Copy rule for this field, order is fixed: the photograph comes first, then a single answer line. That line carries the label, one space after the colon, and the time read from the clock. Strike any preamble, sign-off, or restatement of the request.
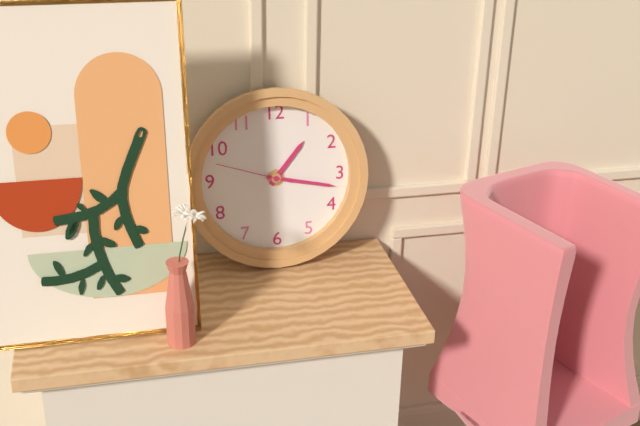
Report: 1:17:48
